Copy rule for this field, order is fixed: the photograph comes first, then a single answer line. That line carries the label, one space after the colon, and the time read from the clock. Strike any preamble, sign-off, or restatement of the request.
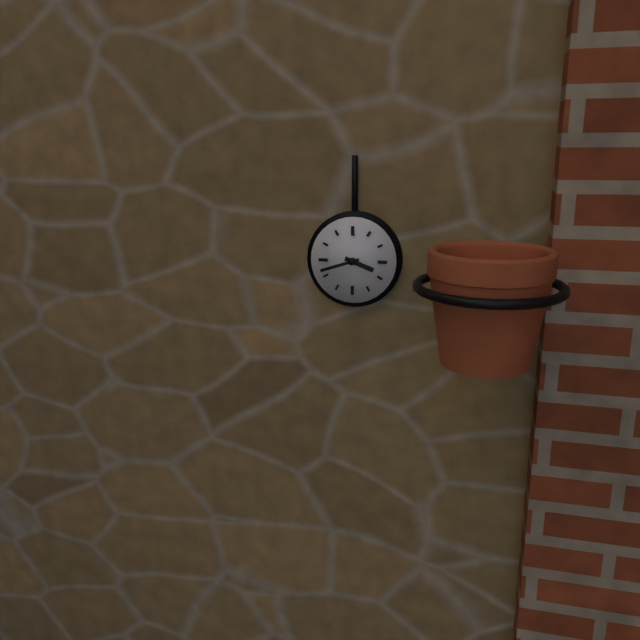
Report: 3:42
